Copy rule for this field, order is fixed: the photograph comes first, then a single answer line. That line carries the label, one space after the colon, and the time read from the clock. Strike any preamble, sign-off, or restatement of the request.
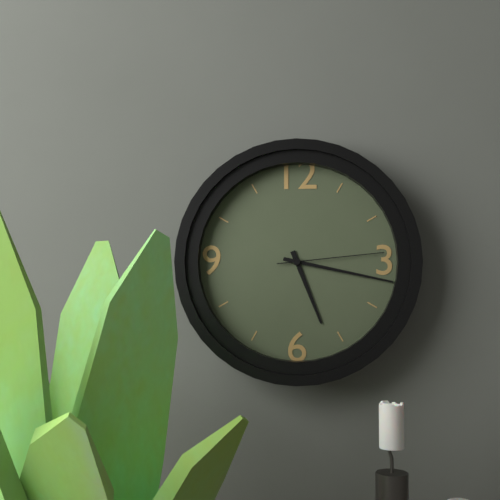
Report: 5:17:14
